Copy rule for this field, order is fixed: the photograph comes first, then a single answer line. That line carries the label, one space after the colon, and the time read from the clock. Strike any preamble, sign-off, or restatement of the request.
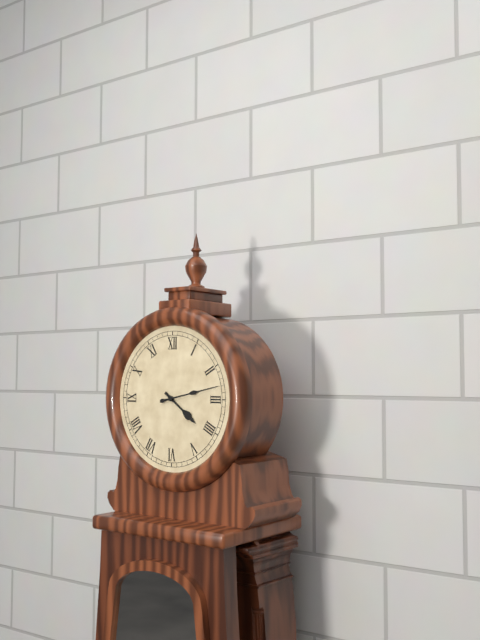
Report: 4:13
